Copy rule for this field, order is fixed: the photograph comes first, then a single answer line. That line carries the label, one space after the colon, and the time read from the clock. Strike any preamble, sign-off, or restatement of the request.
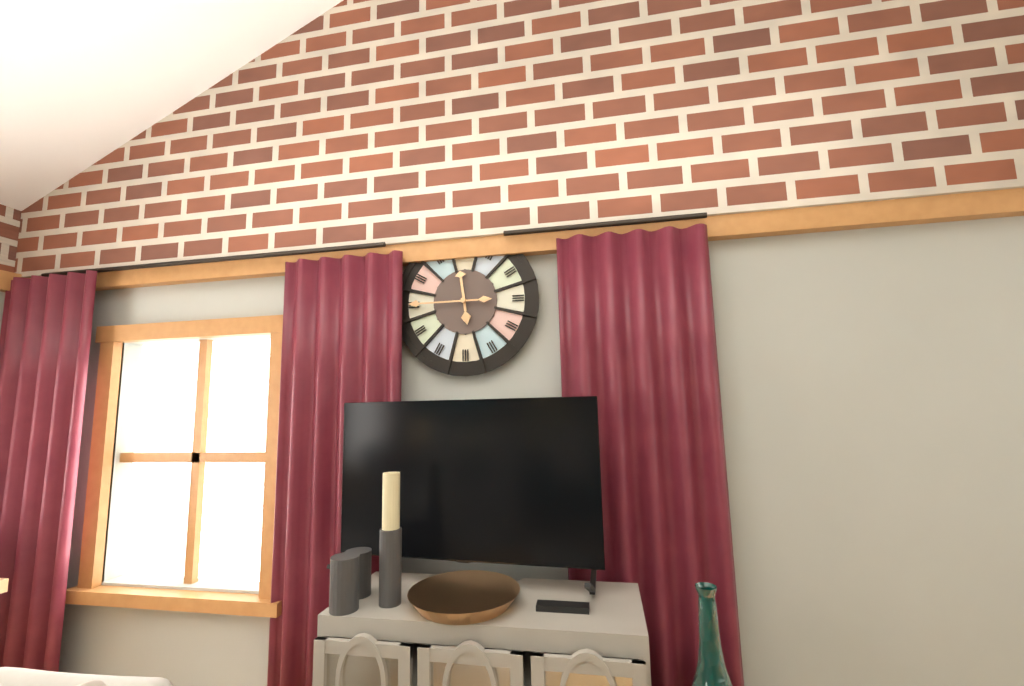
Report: 11:45
